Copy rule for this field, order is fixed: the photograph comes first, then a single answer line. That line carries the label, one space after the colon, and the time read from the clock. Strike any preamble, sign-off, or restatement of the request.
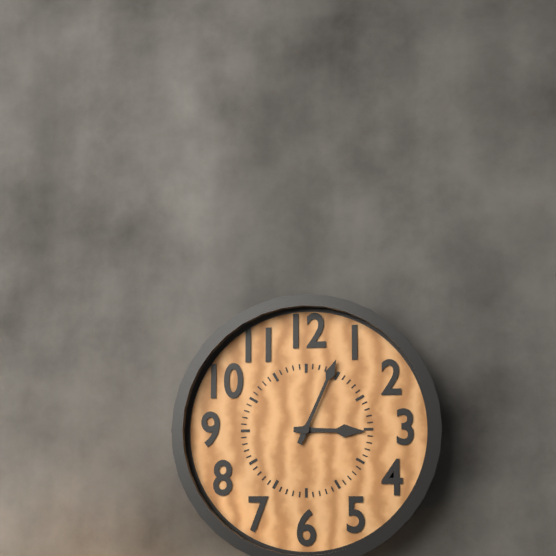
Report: 3:04
